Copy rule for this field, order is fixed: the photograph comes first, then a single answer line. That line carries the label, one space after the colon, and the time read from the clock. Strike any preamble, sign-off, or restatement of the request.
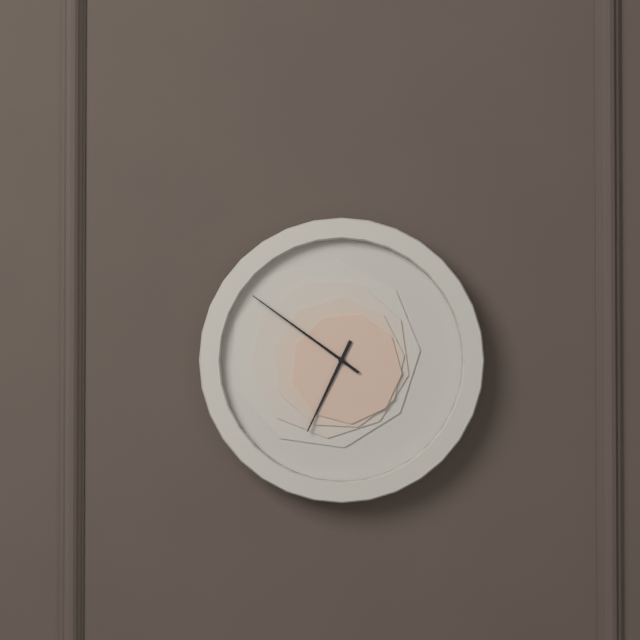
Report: 6:51
